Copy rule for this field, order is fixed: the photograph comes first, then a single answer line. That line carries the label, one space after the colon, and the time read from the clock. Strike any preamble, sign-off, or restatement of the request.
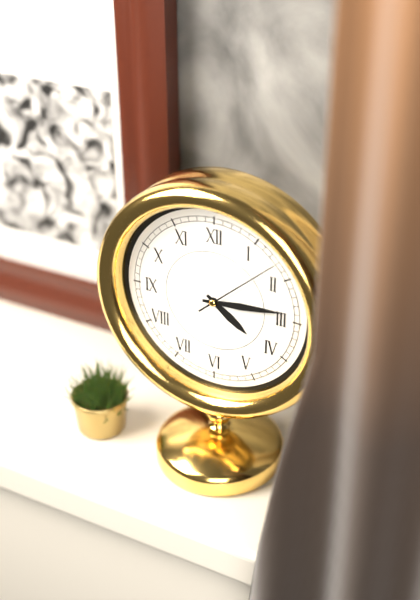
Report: 4:14:08
